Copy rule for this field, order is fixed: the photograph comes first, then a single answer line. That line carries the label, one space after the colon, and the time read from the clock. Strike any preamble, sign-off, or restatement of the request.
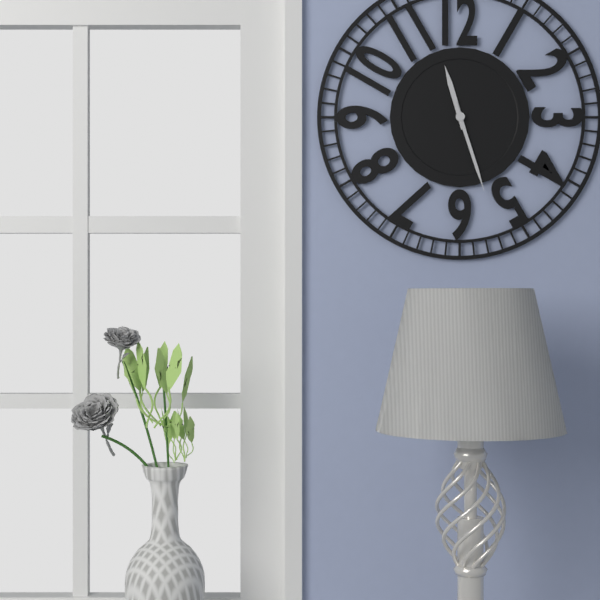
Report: 11:27
